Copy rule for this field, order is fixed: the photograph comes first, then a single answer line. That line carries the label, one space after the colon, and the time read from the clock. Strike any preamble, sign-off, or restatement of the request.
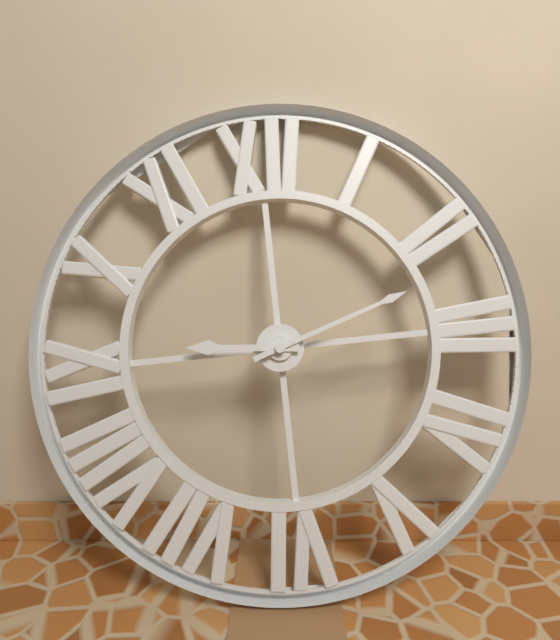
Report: 9:12
